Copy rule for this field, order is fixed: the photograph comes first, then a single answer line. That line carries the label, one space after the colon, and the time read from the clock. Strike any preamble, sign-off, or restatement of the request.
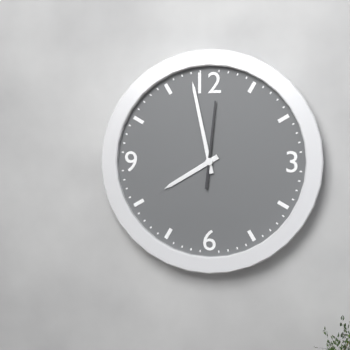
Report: 7:58:01
